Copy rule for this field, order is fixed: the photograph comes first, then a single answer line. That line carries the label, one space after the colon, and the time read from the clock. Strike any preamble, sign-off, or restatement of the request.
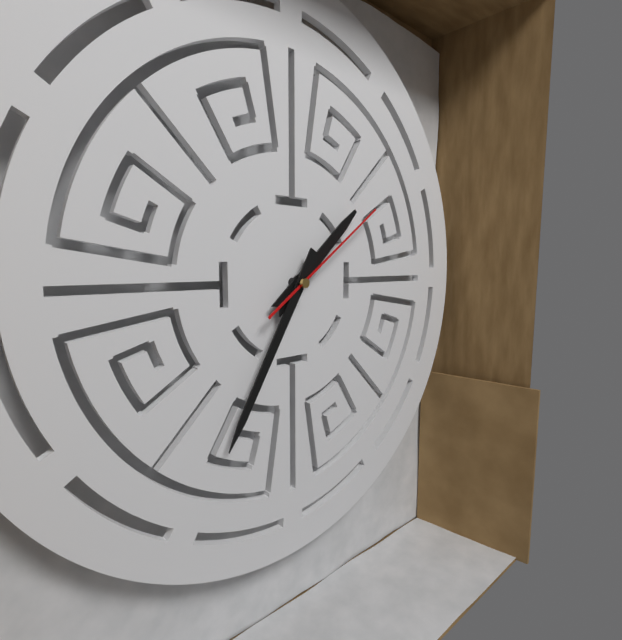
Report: 1:35:09
